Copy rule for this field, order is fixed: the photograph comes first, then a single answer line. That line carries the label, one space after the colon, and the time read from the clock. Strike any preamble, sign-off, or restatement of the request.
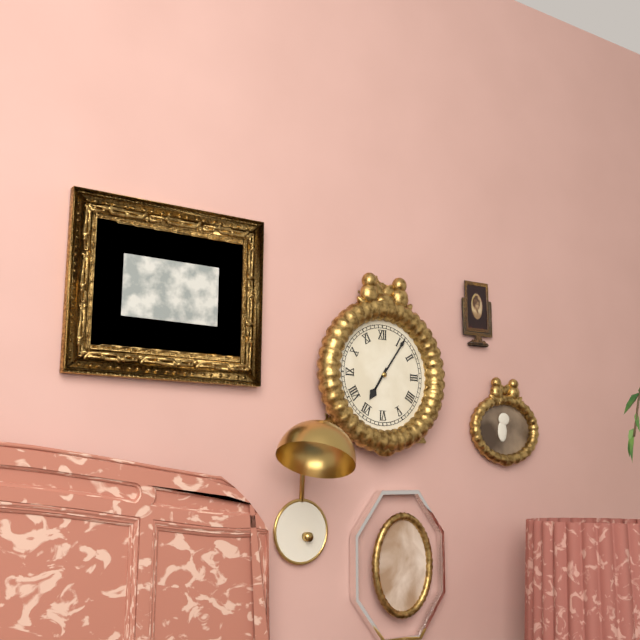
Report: 7:06
